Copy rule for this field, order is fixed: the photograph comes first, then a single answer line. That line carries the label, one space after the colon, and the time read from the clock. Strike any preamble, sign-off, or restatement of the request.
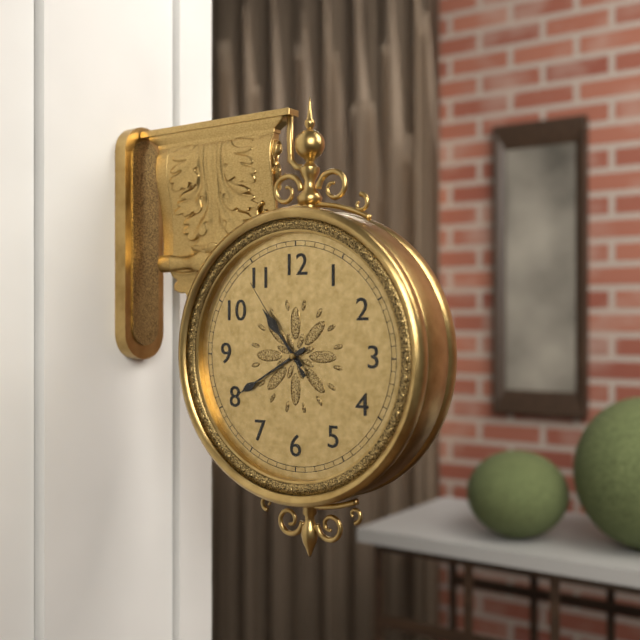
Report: 10:40:54
